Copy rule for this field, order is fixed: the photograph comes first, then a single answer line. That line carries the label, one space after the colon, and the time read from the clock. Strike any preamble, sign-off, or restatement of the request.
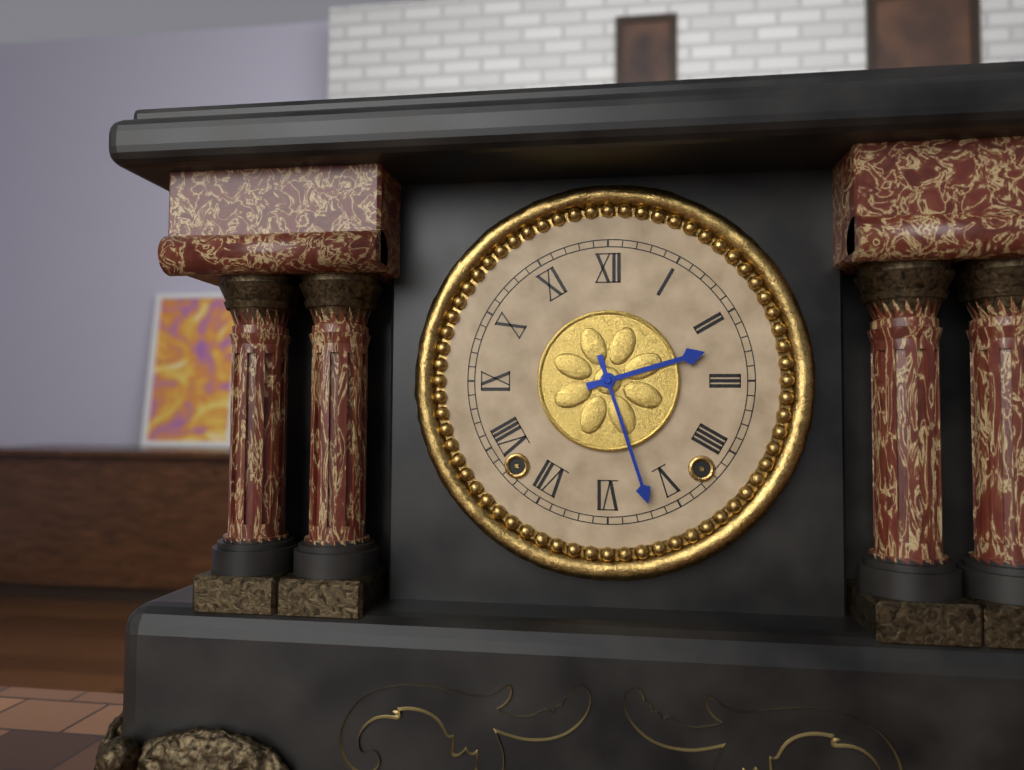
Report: 2:27
